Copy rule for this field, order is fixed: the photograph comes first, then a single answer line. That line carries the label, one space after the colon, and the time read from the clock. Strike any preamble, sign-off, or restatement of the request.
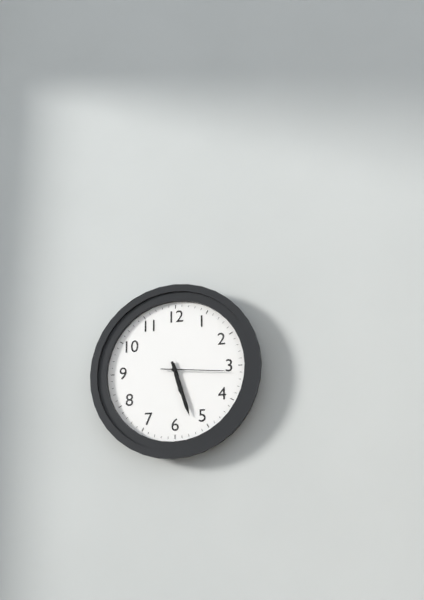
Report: 5:27:16
